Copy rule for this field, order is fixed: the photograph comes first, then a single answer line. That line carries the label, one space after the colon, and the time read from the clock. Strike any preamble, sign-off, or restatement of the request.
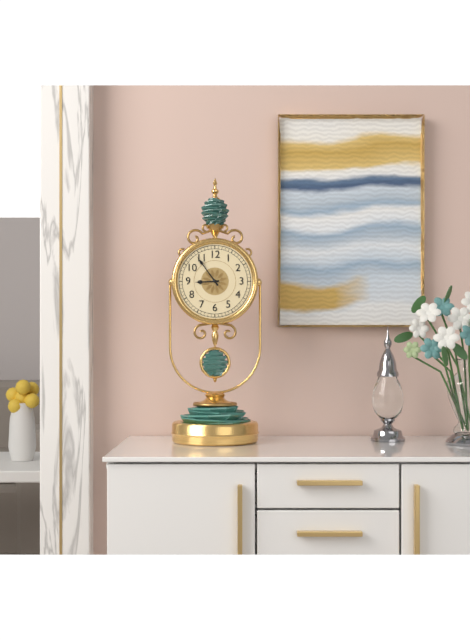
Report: 8:54
